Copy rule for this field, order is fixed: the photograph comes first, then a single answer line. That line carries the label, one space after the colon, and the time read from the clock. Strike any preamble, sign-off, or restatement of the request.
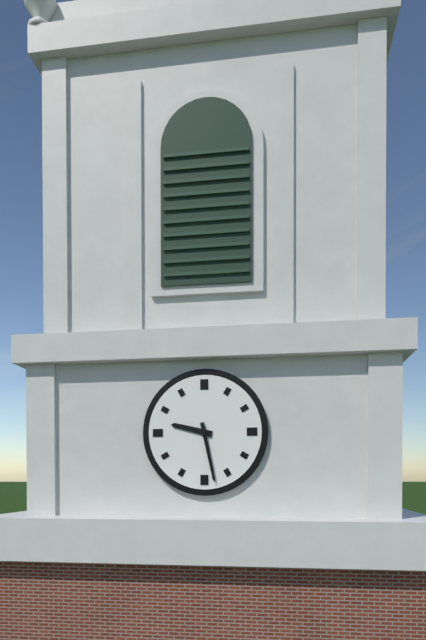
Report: 9:28
